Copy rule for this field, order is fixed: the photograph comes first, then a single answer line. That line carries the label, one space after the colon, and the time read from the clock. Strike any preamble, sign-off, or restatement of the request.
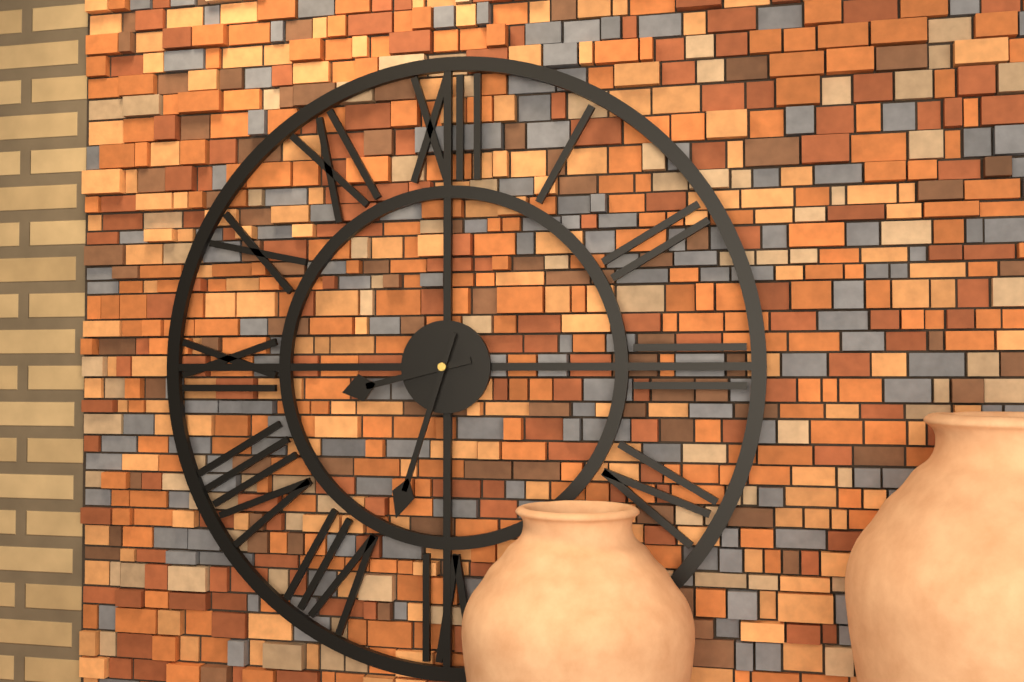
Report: 8:33
